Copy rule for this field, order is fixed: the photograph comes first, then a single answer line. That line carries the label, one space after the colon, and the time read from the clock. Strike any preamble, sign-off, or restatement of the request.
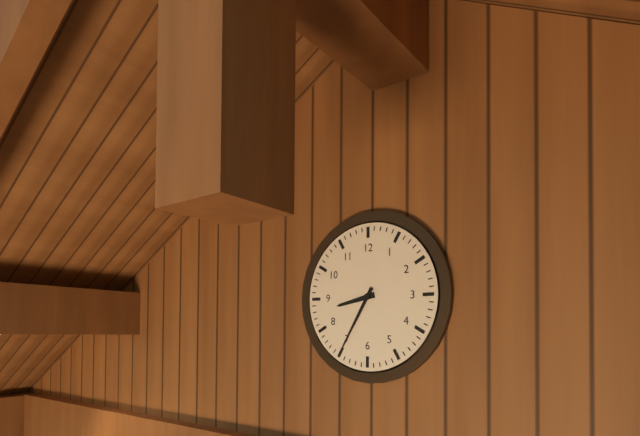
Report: 8:35
